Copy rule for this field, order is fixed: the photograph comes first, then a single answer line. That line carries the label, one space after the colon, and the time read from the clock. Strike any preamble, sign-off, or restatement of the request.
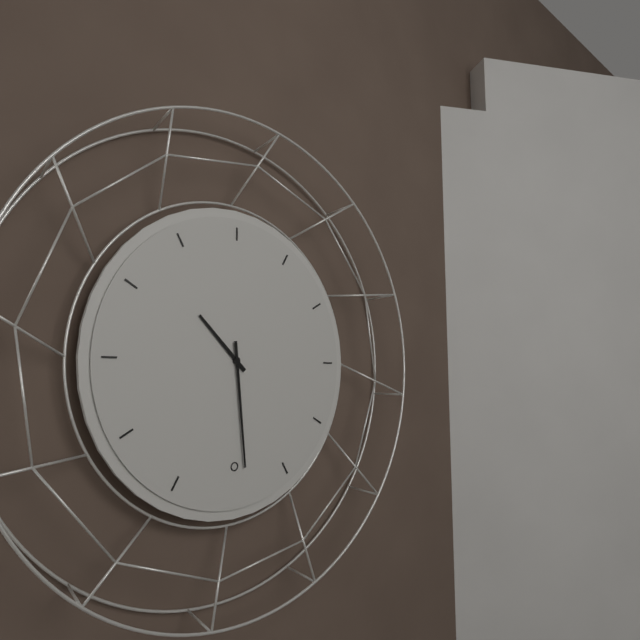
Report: 10:29
